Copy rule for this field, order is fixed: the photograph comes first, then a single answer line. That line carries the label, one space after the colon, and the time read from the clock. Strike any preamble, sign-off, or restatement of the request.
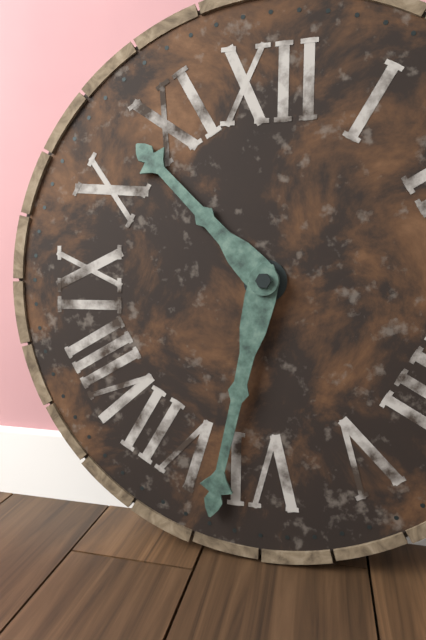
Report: 10:32
